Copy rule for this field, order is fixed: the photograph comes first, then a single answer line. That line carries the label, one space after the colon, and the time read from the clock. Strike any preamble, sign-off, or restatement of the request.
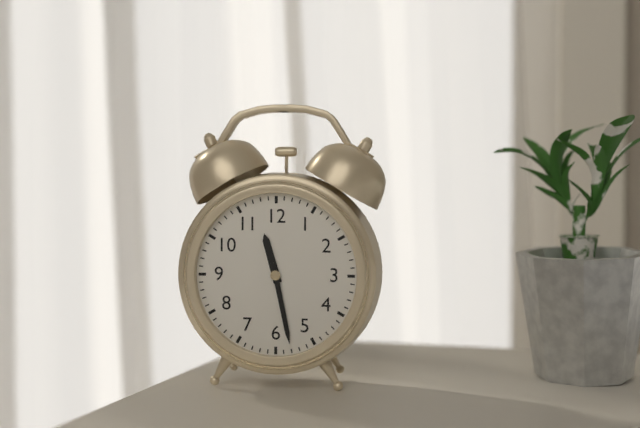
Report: 11:28
